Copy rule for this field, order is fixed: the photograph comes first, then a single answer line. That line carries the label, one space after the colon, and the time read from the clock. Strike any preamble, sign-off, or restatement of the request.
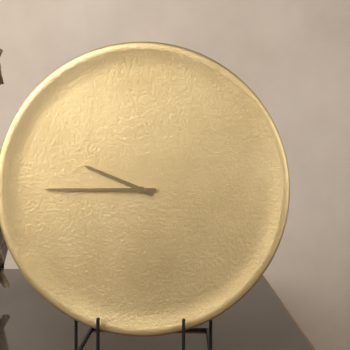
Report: 9:45
